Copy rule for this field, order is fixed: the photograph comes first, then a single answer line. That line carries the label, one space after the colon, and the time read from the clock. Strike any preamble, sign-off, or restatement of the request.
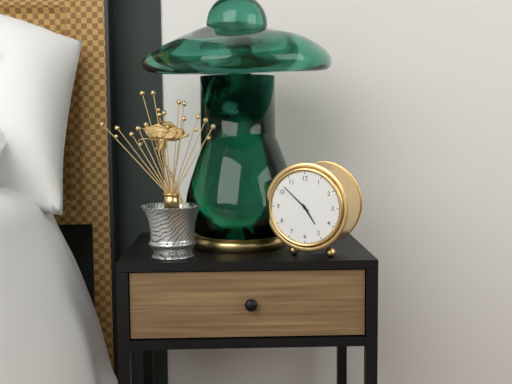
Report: 4:52
